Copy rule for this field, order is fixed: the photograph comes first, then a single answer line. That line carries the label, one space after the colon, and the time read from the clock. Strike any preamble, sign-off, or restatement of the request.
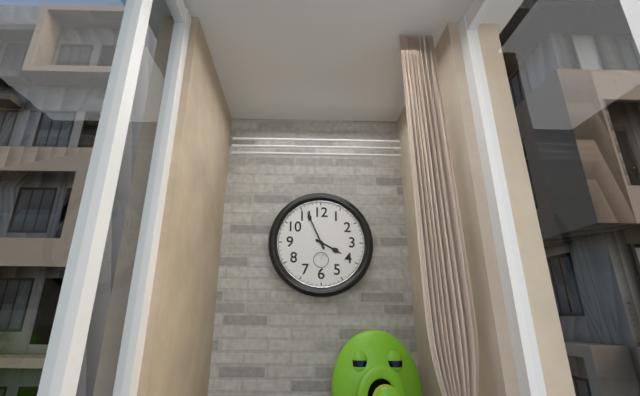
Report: 3:56
